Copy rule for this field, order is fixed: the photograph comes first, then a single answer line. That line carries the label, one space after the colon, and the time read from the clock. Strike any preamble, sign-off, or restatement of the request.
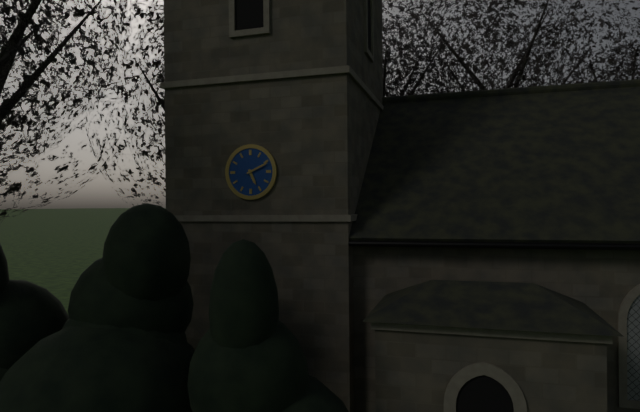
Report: 5:11
